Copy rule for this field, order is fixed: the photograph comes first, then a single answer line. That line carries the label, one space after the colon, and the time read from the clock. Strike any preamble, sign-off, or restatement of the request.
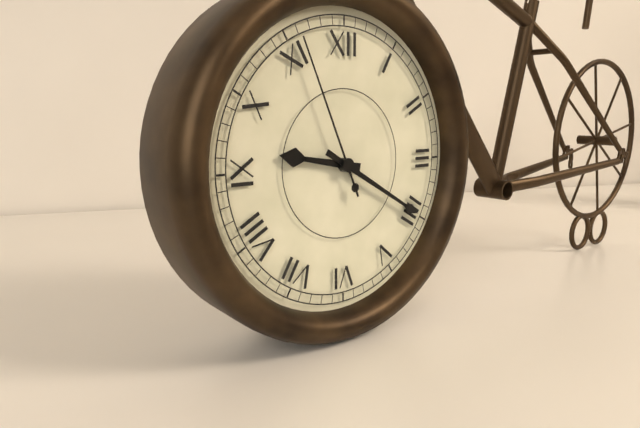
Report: 9:20:56
